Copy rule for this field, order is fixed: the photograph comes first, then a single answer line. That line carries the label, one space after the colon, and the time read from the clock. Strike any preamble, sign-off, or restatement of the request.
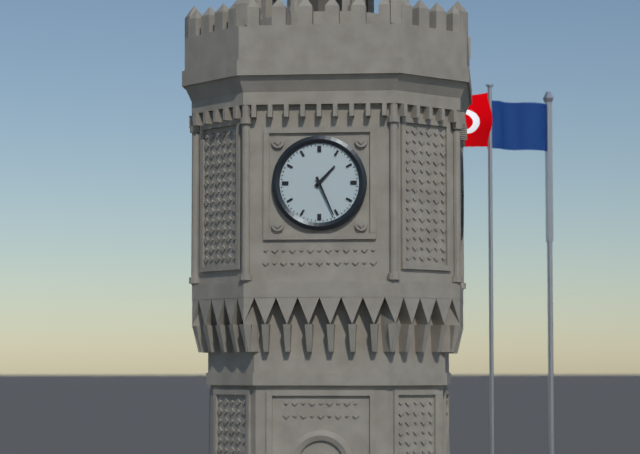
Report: 1:26
